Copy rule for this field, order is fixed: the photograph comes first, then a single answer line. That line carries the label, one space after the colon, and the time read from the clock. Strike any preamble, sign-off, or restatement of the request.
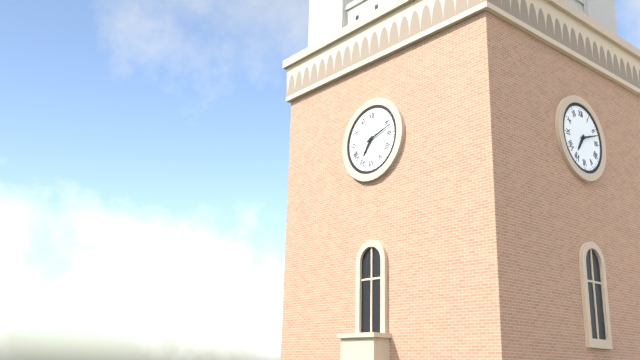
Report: 7:12
